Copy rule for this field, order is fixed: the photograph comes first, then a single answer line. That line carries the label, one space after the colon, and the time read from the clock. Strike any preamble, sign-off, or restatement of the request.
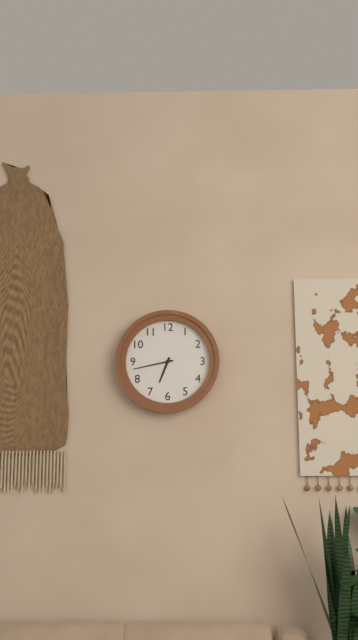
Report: 6:43
